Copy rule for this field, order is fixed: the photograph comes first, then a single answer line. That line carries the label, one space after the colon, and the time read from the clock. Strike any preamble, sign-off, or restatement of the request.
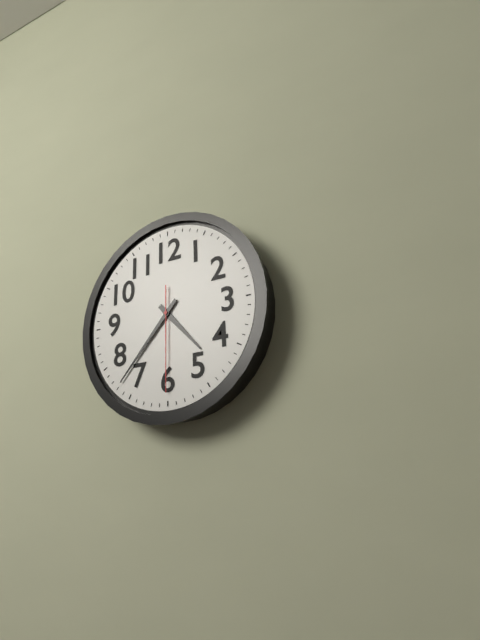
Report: 4:37:30
